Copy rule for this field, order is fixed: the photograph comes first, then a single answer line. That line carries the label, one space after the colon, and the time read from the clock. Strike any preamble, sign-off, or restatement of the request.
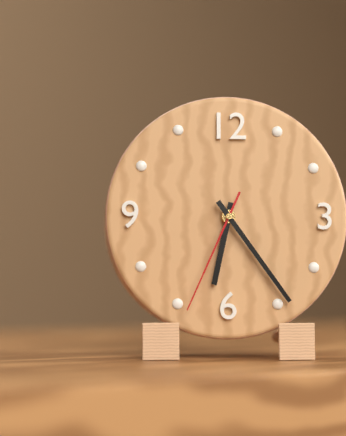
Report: 6:24:34
